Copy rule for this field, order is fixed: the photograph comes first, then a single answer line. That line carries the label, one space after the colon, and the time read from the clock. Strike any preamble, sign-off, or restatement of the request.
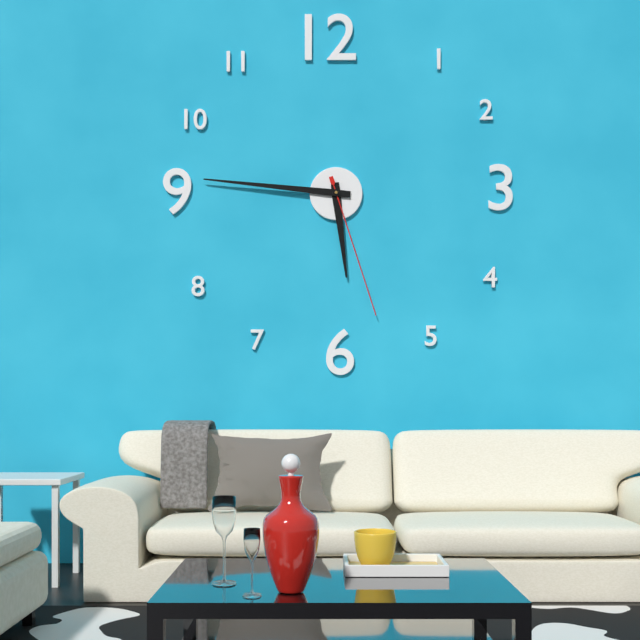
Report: 5:46:27
